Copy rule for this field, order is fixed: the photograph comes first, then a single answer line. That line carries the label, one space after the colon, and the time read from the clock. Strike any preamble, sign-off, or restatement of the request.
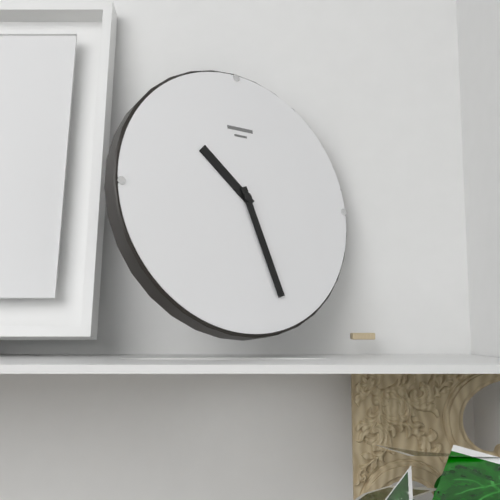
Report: 10:27
